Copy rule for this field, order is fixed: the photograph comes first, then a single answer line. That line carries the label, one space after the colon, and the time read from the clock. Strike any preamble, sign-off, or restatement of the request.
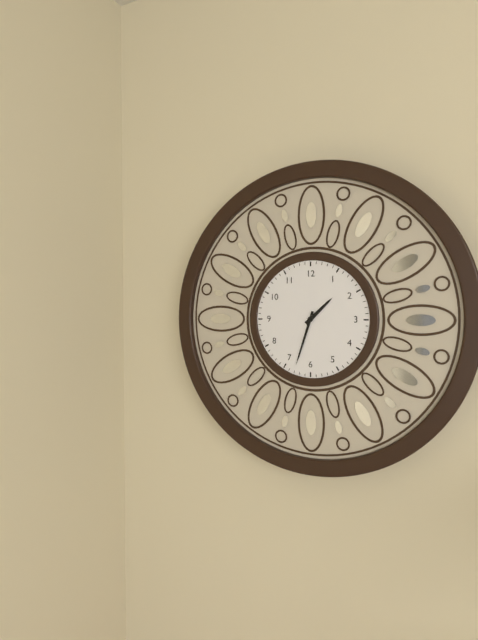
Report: 1:33
